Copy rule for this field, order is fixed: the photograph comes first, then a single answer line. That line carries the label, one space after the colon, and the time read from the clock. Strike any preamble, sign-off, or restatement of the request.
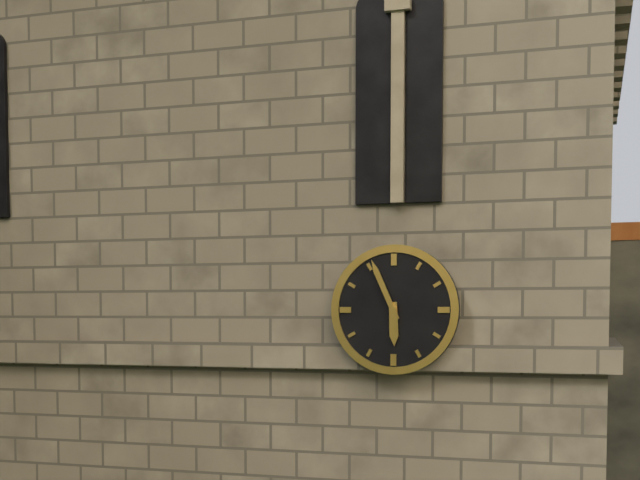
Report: 5:56
